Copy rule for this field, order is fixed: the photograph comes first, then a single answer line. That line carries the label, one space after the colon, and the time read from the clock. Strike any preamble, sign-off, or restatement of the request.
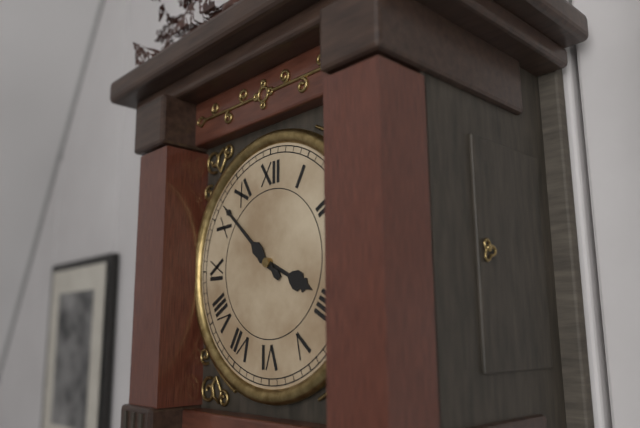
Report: 3:52
